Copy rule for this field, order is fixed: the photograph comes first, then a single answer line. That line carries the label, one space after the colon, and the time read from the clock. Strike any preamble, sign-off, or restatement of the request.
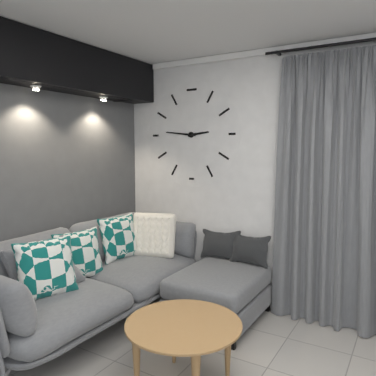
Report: 2:46
